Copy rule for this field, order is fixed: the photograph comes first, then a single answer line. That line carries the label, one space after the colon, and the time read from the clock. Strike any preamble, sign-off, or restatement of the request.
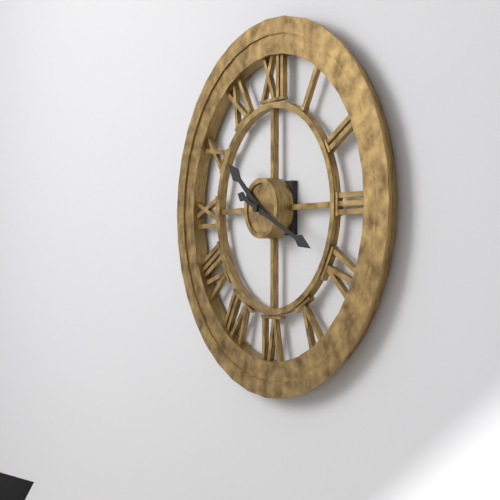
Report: 10:19
